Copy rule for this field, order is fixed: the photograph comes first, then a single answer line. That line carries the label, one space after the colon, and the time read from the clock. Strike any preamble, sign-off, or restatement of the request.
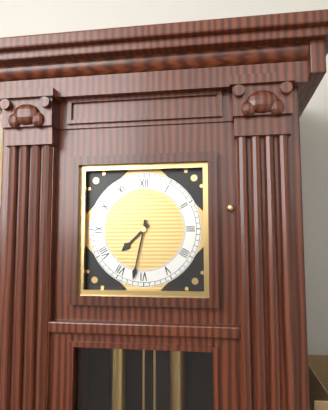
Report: 7:32
